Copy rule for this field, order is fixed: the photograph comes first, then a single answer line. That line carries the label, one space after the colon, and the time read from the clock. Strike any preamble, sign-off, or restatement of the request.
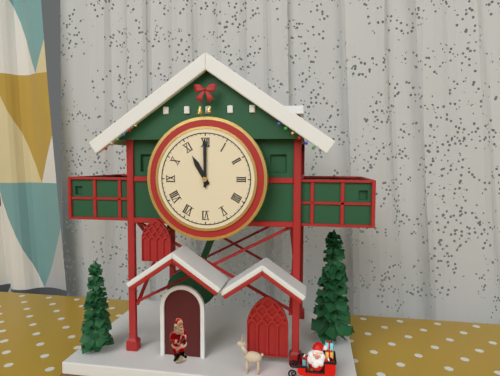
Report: 11:00
